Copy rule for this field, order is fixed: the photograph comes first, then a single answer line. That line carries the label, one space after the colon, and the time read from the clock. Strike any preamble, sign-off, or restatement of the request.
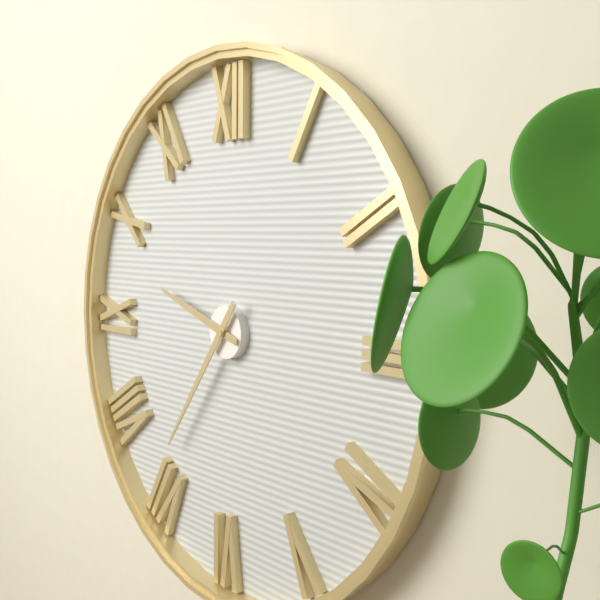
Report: 9:36
